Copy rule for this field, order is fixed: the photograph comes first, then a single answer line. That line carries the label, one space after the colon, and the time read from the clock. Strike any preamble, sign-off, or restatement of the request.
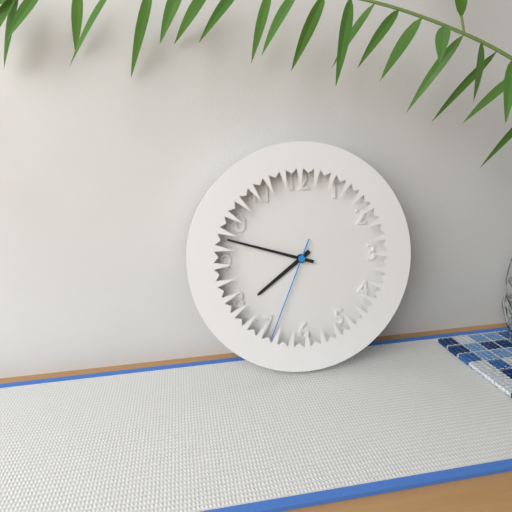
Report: 7:48:34
